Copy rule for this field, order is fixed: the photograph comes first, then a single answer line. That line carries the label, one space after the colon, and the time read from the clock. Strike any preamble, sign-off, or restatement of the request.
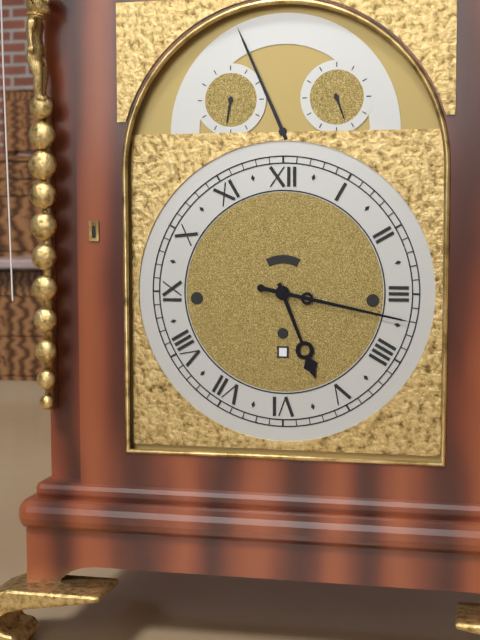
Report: 5:17
